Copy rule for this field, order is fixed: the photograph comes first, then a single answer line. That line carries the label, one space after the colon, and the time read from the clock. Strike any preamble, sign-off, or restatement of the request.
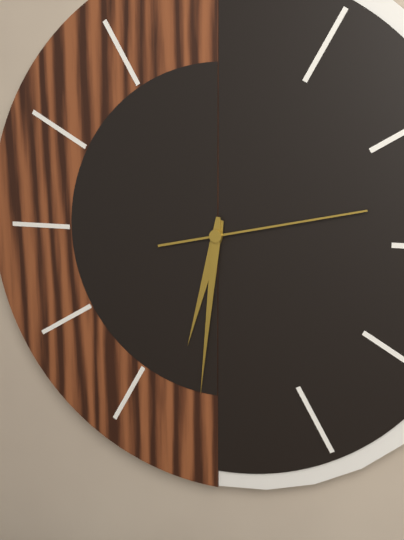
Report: 6:31:13
